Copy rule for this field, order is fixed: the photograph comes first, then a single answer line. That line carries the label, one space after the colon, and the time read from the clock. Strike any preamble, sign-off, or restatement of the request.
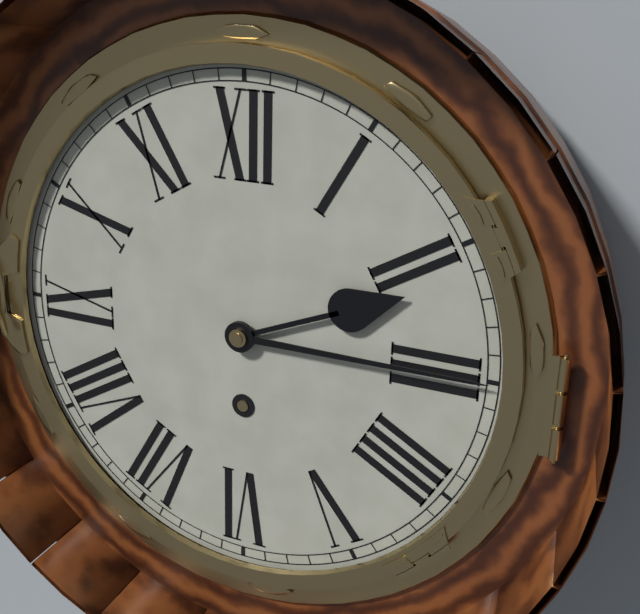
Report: 2:15
